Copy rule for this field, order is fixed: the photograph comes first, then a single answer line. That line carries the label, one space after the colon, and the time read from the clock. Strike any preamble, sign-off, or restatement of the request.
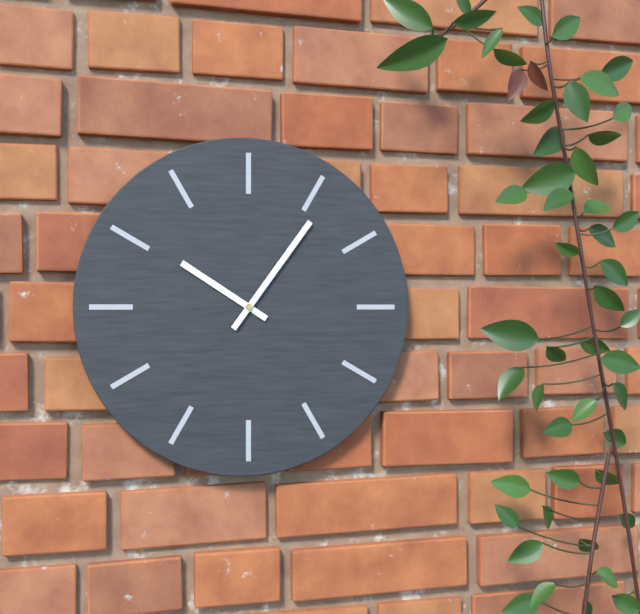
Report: 10:06
